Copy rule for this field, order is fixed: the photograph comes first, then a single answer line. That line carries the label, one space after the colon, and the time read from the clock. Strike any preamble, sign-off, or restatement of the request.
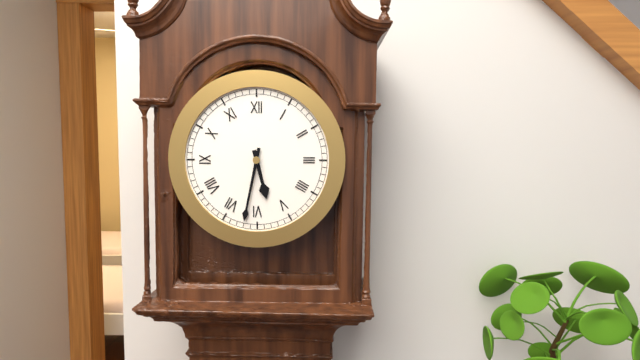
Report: 5:32
